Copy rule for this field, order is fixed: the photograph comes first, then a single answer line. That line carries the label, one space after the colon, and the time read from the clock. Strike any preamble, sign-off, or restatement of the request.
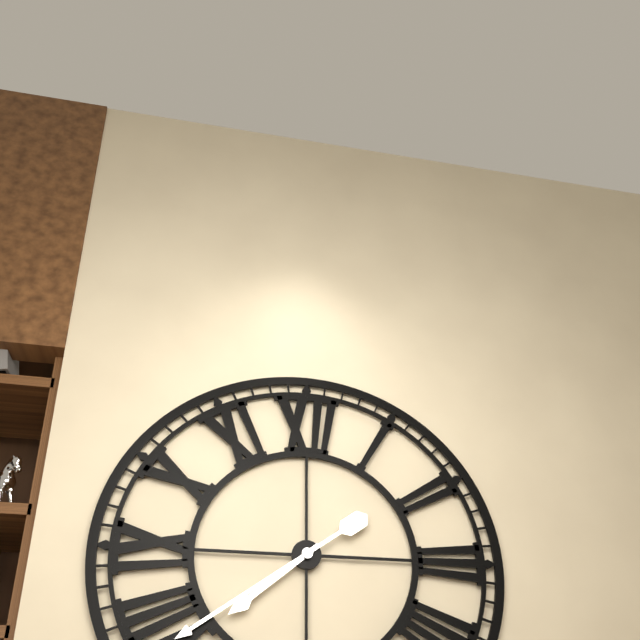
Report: 7:39
